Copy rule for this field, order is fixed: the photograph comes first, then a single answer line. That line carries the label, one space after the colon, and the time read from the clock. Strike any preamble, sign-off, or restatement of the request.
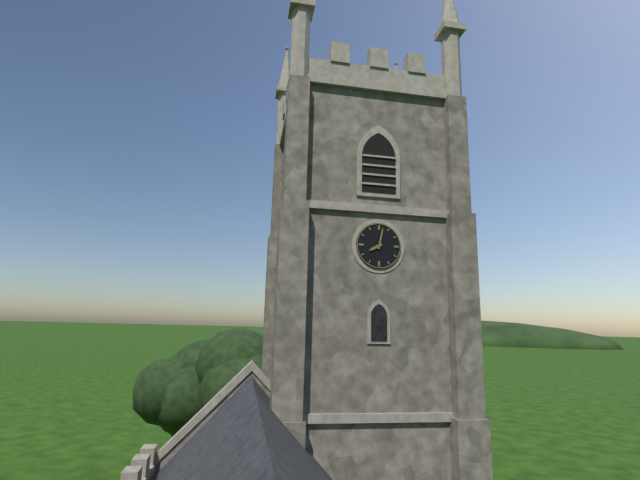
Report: 8:02
